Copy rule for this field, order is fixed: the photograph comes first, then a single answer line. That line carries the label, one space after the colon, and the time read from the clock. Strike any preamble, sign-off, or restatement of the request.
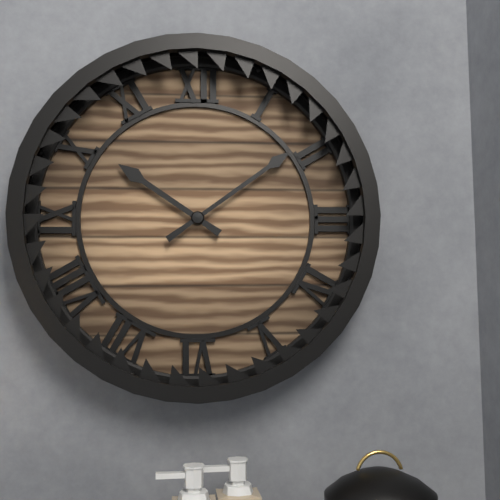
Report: 10:09
